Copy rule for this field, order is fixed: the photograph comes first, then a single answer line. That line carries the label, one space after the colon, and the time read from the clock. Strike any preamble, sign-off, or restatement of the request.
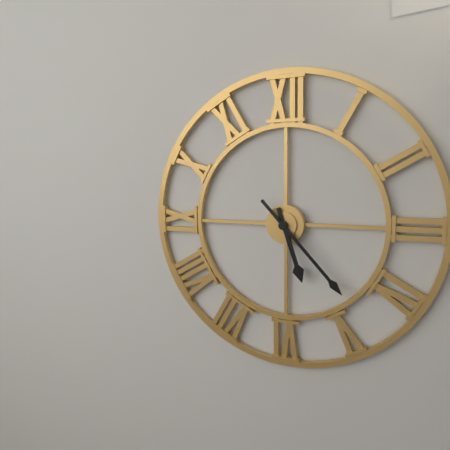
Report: 5:23
